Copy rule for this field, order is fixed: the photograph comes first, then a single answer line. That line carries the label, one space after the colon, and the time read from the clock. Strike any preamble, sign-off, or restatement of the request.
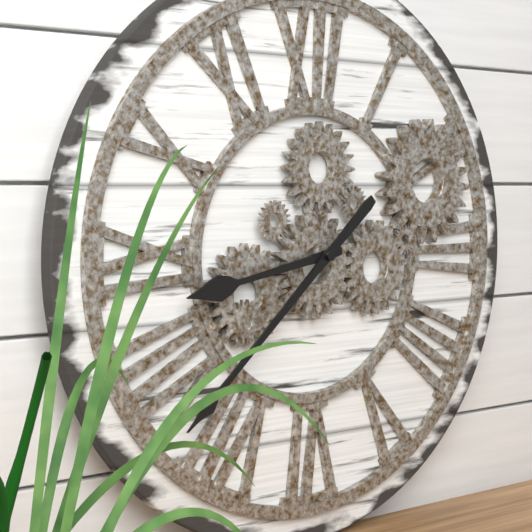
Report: 8:38
